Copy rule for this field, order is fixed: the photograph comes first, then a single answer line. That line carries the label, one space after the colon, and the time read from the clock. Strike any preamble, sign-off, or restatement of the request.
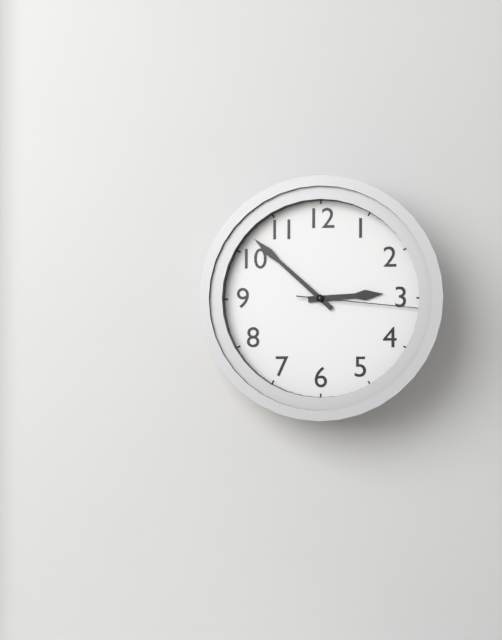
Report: 2:52:16
